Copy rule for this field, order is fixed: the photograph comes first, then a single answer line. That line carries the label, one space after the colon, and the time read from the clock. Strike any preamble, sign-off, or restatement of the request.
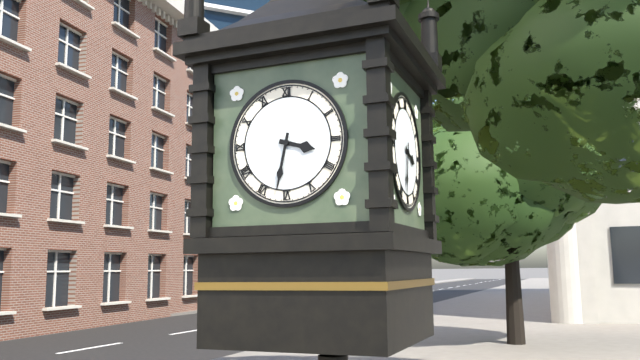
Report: 3:32
